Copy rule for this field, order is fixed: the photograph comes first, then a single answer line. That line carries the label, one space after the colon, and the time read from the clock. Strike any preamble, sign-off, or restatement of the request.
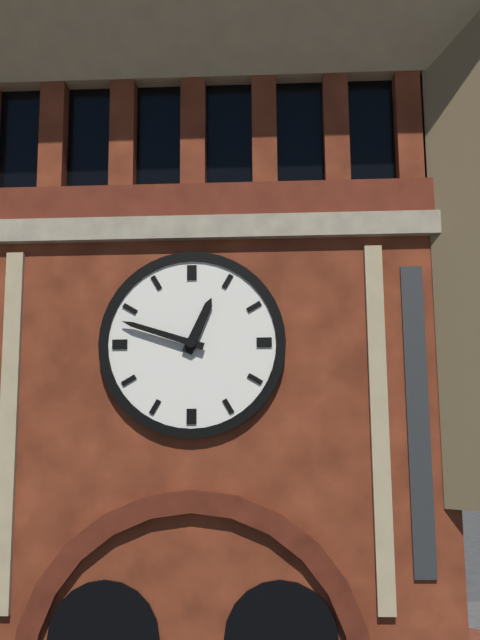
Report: 12:48
